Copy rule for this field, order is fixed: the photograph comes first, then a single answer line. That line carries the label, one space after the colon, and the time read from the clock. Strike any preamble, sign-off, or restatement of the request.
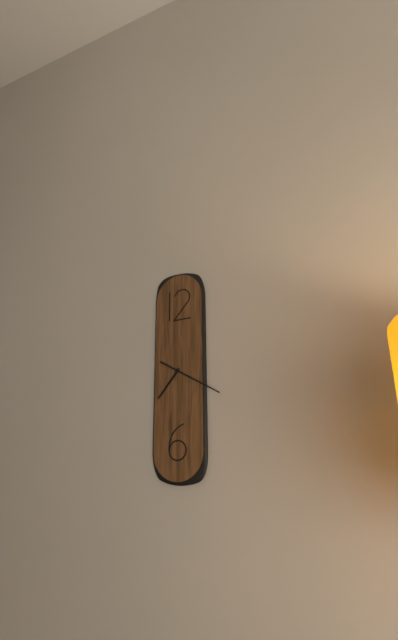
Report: 7:20
